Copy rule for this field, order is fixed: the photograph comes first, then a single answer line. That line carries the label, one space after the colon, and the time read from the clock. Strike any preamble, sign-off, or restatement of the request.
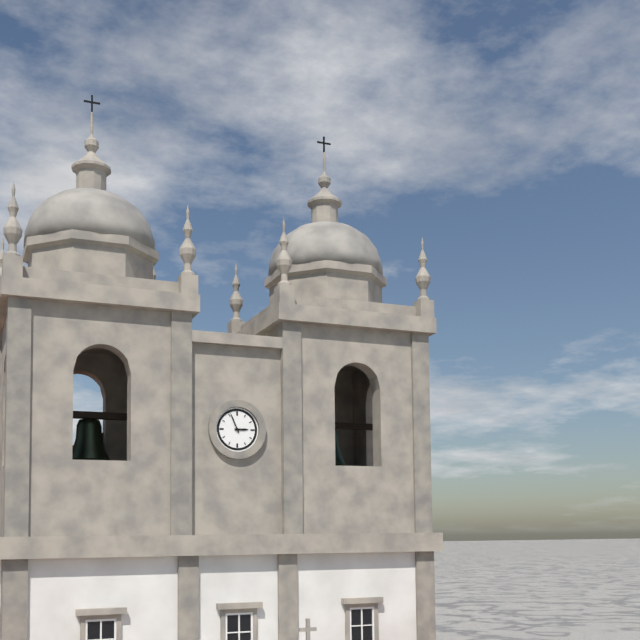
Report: 2:56
